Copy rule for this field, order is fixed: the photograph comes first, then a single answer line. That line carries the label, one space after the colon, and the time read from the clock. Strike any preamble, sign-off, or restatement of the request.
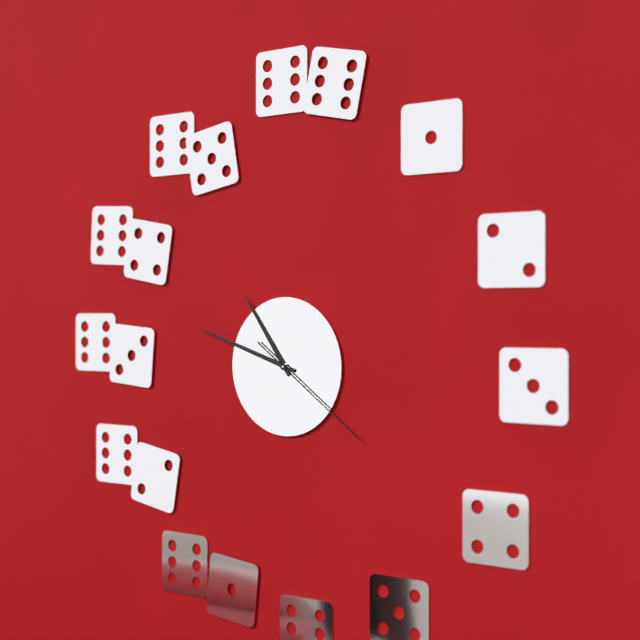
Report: 10:48:21
